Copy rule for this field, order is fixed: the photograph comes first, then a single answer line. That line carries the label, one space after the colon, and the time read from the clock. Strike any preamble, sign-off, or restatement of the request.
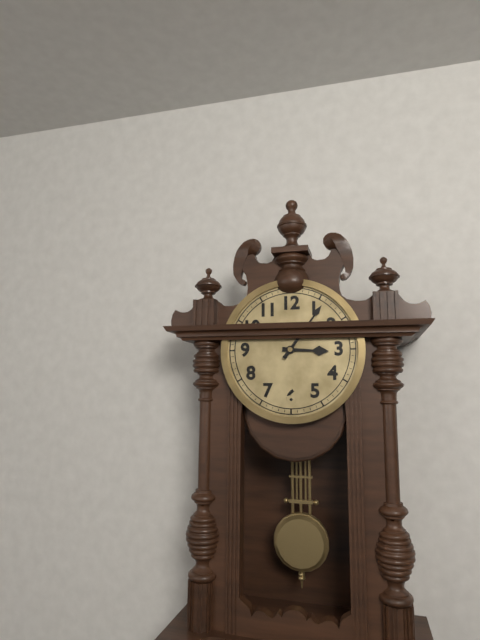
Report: 3:06
